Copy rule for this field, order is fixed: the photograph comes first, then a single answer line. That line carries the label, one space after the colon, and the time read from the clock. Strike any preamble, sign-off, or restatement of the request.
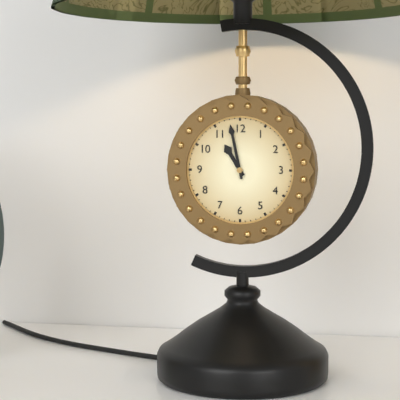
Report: 10:58
